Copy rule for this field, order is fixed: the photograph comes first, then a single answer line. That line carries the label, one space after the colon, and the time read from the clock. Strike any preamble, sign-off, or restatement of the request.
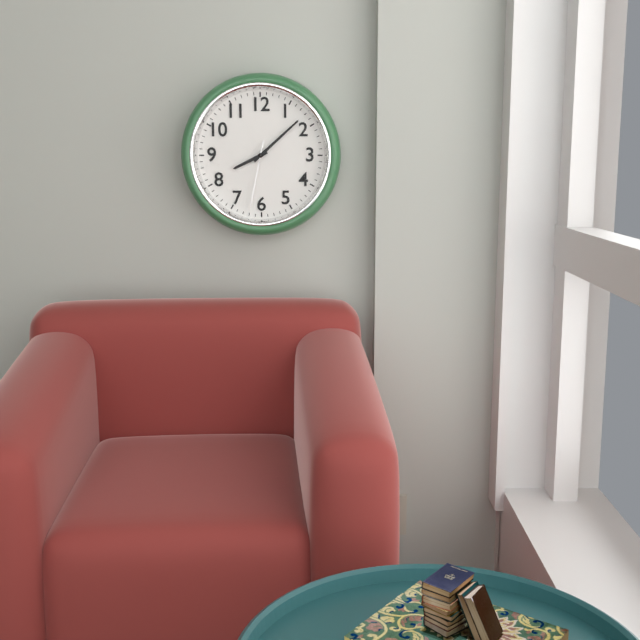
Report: 8:08:32
